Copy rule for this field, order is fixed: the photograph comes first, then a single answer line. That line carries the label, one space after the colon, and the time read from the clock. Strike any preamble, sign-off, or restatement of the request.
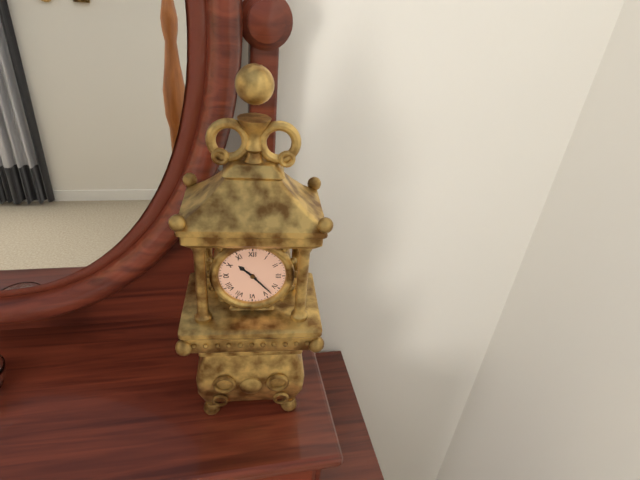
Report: 10:23
